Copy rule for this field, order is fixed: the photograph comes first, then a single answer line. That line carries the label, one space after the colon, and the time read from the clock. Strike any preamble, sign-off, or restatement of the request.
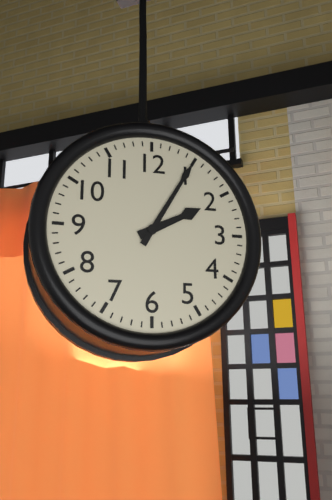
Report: 2:05
